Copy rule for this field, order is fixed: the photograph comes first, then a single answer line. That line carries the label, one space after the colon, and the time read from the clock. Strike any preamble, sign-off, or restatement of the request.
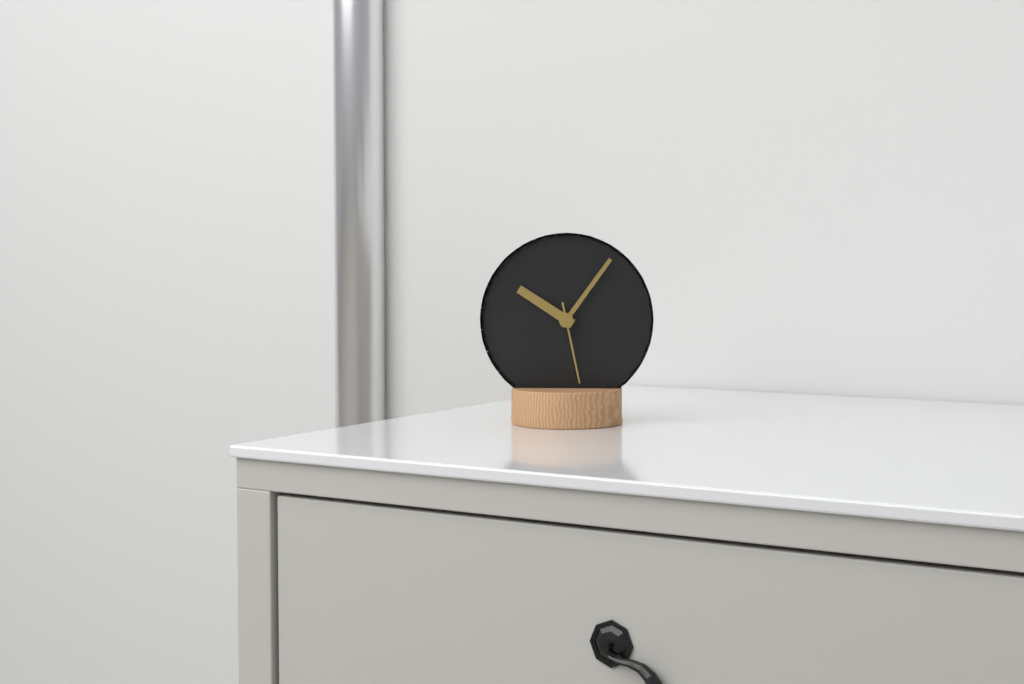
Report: 10:06:28
